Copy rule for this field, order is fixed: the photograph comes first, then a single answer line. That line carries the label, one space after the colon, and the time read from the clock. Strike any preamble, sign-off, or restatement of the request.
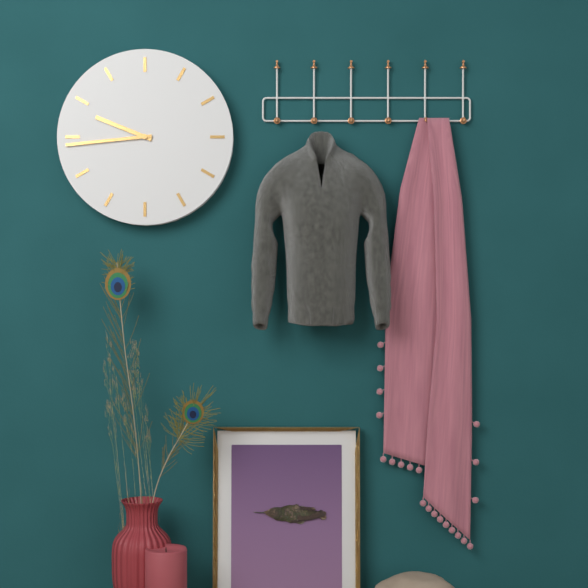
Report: 9:44
